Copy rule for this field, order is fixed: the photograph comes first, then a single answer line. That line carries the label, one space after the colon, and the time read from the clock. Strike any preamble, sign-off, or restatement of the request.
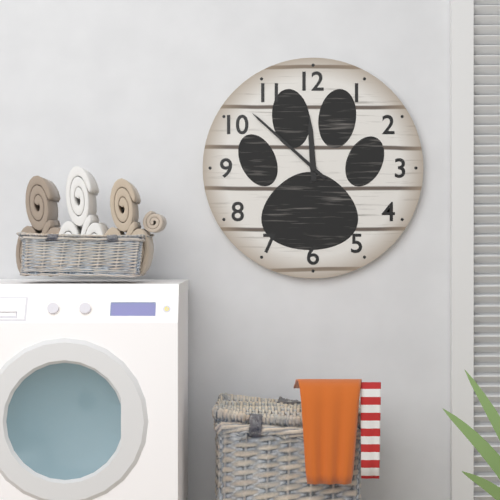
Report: 11:52
